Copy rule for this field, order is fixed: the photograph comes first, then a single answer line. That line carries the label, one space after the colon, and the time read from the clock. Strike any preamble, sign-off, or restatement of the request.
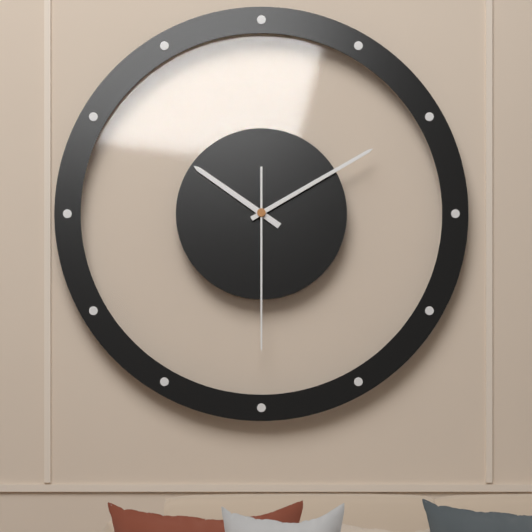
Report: 10:10:30
